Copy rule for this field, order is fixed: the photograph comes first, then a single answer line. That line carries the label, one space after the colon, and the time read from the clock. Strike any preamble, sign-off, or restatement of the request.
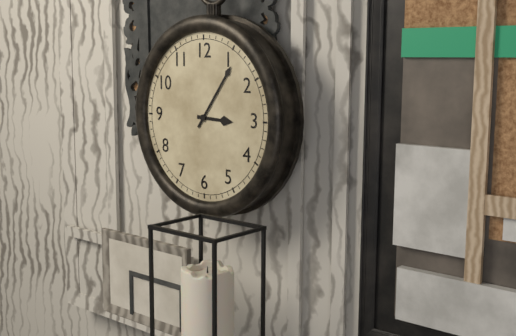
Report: 3:06
